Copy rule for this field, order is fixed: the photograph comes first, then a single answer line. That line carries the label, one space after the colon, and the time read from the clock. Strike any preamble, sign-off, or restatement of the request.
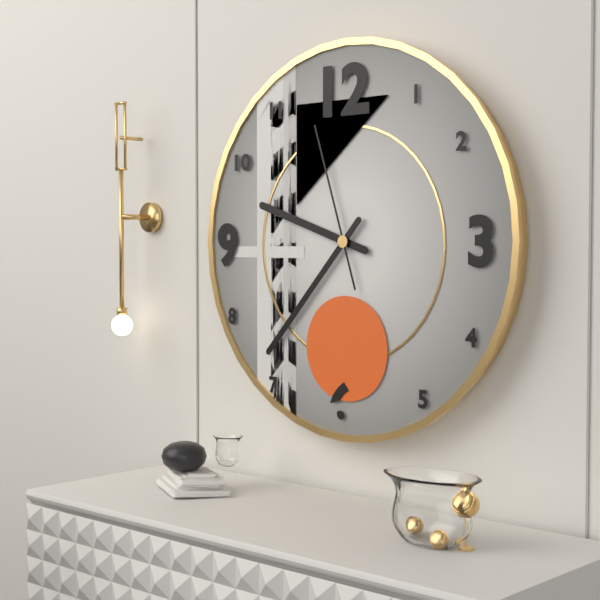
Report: 9:37:57
